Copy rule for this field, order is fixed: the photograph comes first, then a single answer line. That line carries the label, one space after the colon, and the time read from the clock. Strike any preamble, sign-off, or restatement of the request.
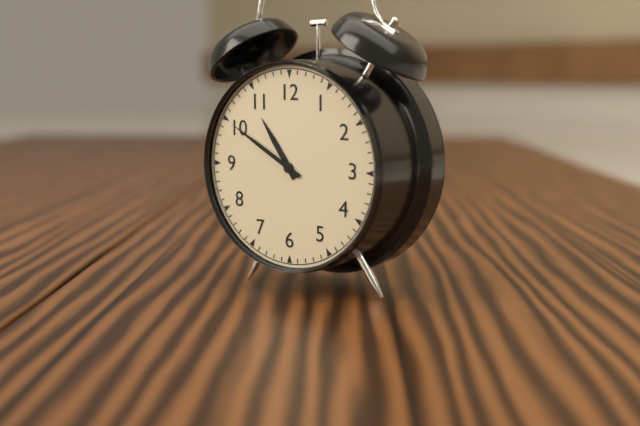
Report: 10:50
